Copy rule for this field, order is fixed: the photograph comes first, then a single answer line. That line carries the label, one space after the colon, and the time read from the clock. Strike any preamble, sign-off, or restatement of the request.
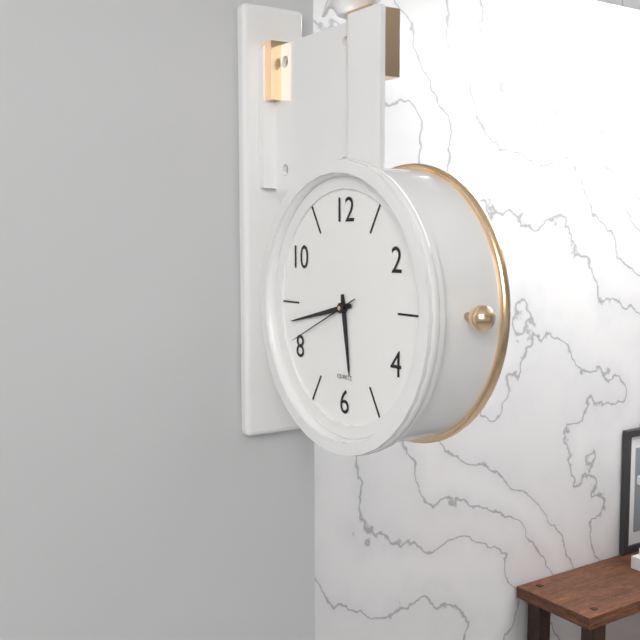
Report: 5:43:41
